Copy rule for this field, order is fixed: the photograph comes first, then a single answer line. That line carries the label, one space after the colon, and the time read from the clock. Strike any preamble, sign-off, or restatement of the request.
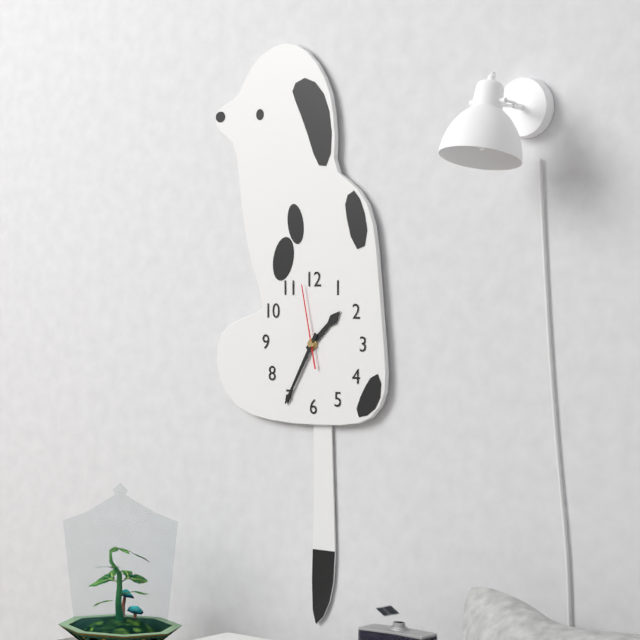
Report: 1:35:58
